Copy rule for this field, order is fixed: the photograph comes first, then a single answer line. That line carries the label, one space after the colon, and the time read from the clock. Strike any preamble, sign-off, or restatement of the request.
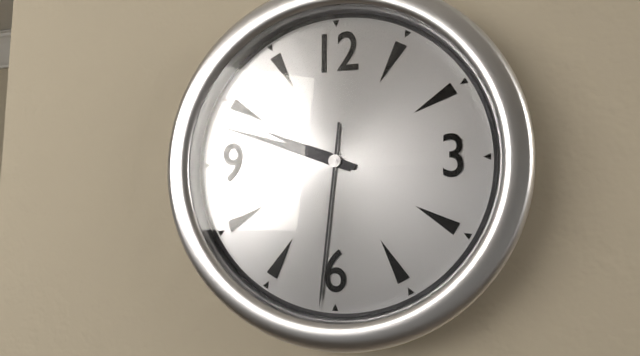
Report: 9:48:31
